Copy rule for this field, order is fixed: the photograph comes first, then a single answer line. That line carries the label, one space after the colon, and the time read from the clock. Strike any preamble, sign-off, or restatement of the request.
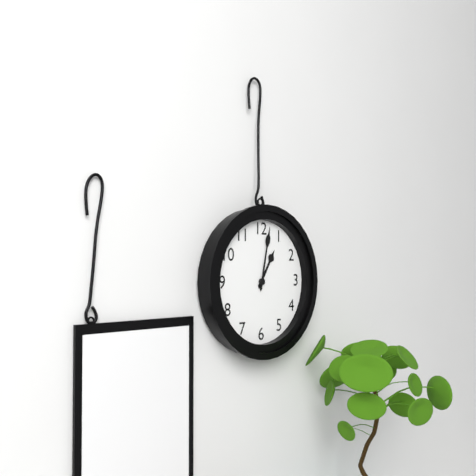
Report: 1:02
